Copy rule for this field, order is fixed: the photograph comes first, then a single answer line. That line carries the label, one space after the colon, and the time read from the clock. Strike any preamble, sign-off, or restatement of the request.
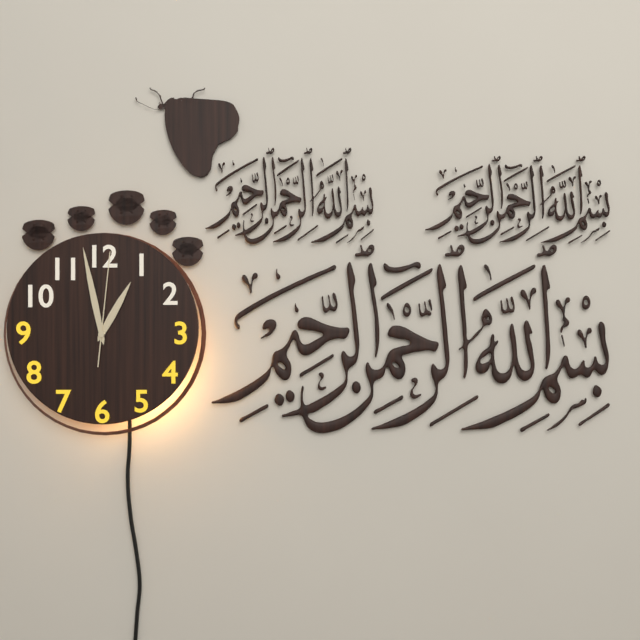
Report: 12:58:01
